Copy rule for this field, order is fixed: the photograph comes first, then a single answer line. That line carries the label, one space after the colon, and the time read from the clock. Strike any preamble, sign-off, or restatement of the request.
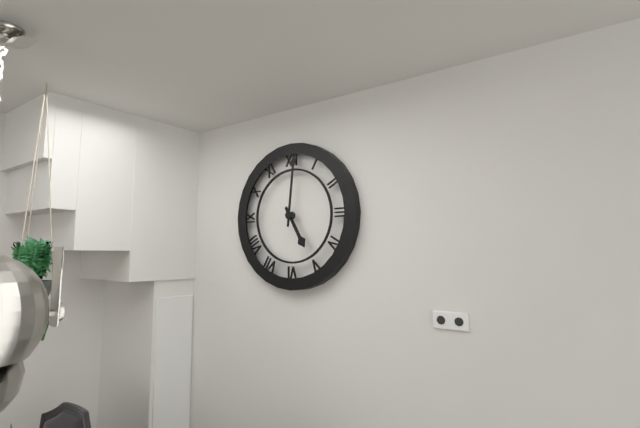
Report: 5:01
